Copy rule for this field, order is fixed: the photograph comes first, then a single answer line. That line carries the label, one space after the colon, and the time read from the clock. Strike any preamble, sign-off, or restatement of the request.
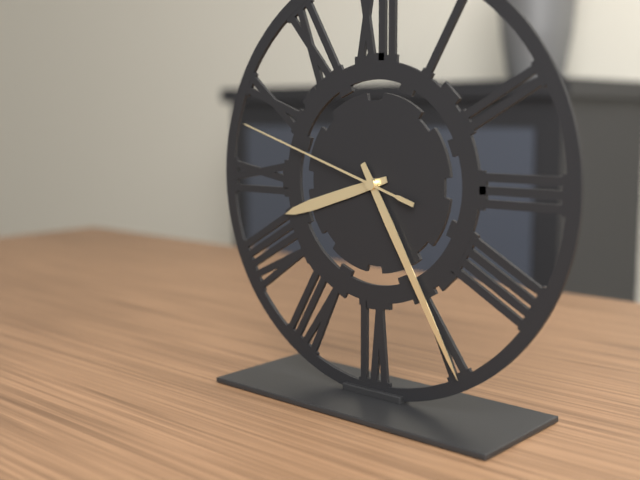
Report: 8:25:48
